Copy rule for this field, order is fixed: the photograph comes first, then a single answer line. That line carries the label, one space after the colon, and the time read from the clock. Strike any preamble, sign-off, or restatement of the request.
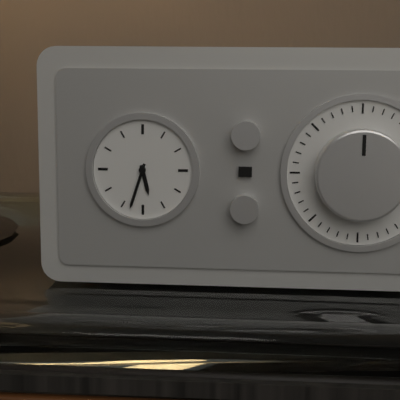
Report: 5:33
